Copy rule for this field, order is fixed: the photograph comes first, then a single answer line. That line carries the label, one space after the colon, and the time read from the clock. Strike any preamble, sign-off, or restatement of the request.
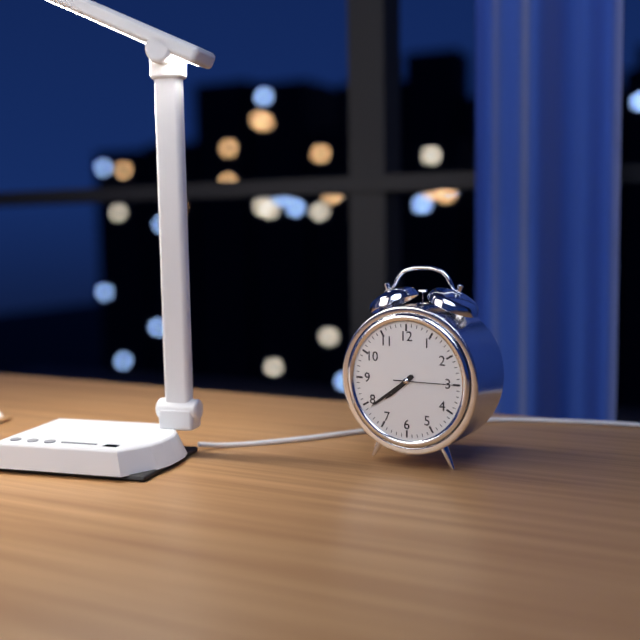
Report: 7:39:15
